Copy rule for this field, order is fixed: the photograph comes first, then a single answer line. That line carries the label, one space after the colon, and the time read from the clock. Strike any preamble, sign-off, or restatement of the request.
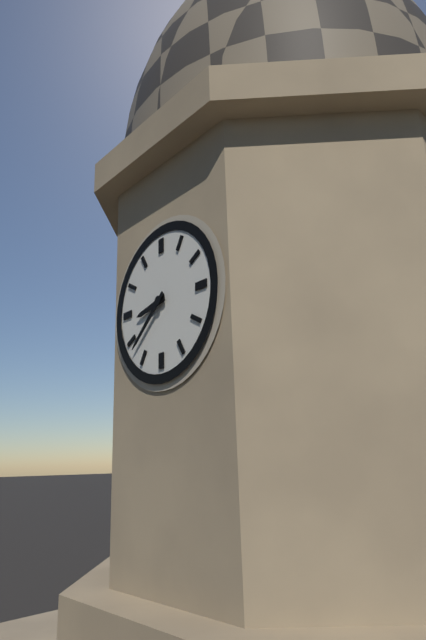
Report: 8:38
